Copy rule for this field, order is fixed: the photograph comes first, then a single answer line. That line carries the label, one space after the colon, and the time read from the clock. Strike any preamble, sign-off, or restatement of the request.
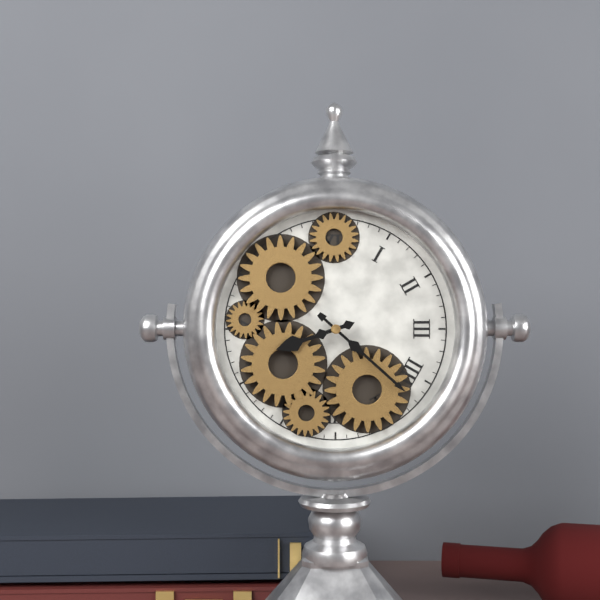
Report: 8:22
